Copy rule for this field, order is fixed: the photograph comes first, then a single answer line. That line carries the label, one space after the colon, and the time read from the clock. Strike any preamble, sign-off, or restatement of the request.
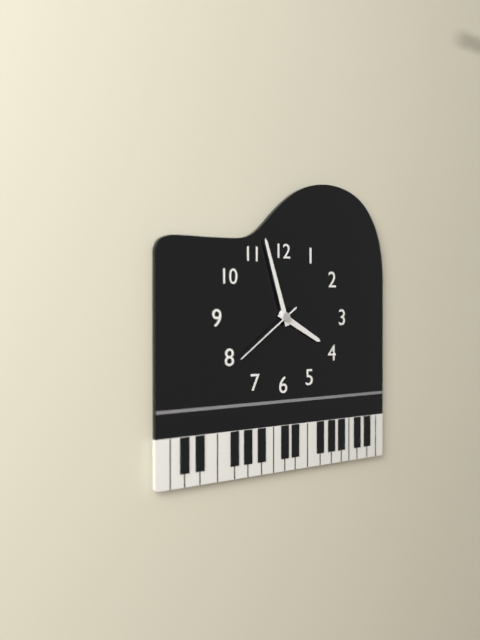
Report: 3:57:39
